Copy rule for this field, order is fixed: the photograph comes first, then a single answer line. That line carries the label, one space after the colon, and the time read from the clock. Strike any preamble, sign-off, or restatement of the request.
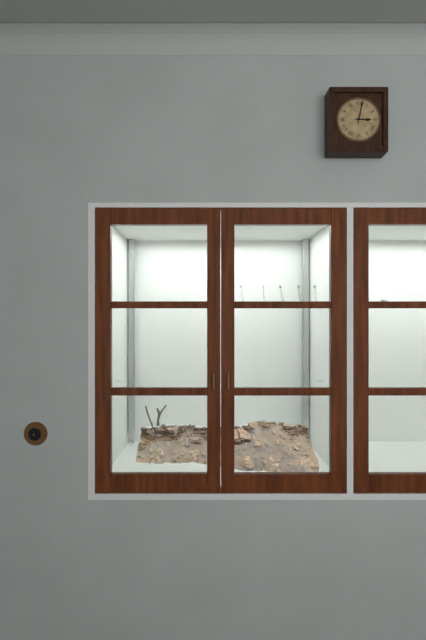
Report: 3:02
